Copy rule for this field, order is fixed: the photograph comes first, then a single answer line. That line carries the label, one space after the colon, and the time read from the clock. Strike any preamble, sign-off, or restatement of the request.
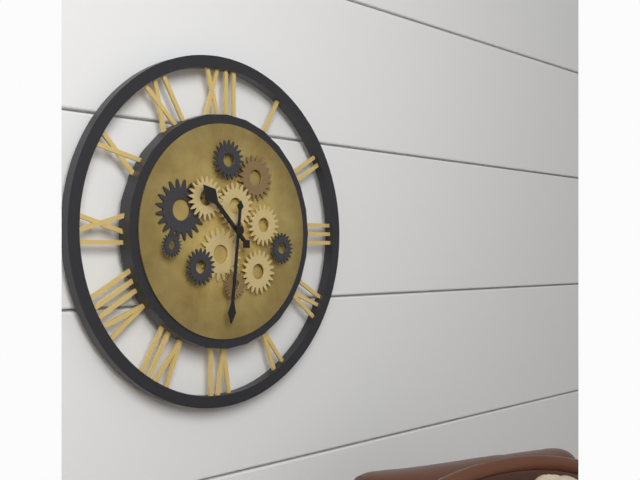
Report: 10:31
